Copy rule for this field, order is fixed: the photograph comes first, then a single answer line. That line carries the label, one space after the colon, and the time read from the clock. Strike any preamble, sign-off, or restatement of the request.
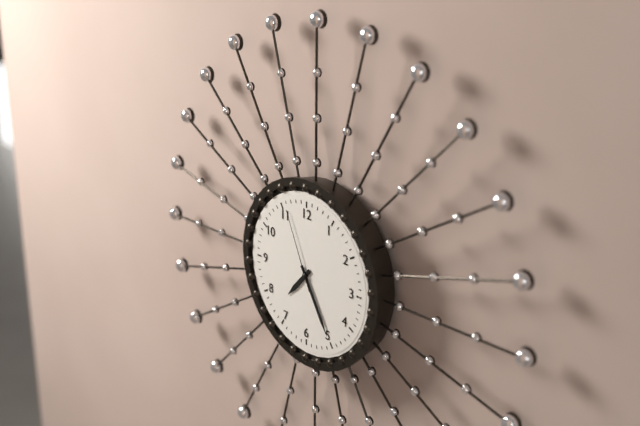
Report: 7:25:56
